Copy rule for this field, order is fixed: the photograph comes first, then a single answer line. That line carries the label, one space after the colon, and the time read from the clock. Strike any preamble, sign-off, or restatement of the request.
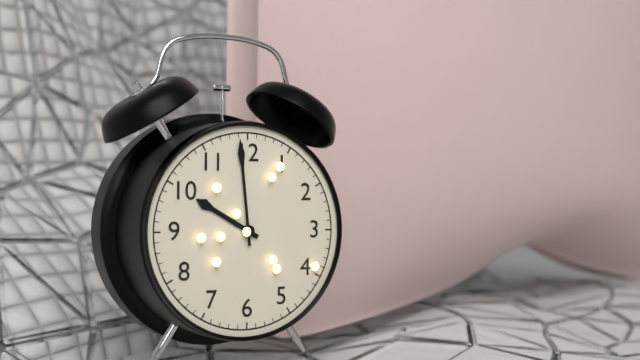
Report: 9:59
